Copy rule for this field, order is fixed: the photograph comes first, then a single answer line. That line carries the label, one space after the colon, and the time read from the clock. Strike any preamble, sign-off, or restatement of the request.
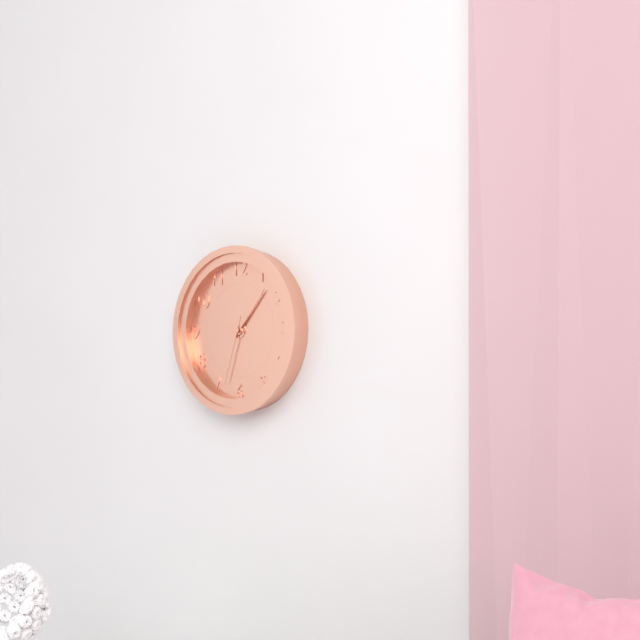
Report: 9:07:33
